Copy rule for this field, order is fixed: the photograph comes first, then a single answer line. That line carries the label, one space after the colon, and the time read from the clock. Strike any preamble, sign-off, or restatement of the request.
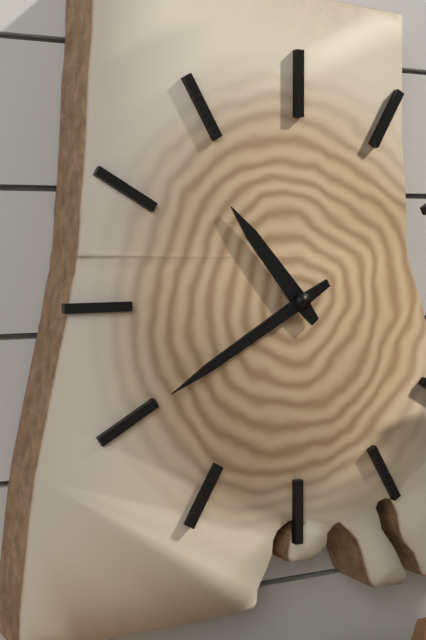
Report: 10:40
